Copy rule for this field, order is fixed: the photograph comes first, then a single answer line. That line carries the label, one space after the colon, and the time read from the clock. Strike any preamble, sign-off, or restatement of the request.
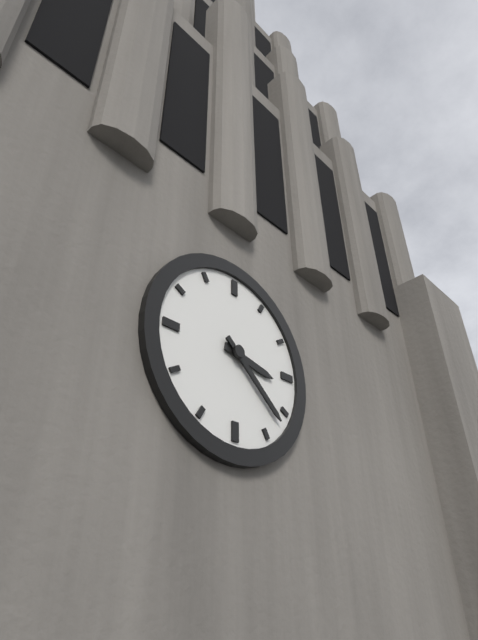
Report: 3:22
